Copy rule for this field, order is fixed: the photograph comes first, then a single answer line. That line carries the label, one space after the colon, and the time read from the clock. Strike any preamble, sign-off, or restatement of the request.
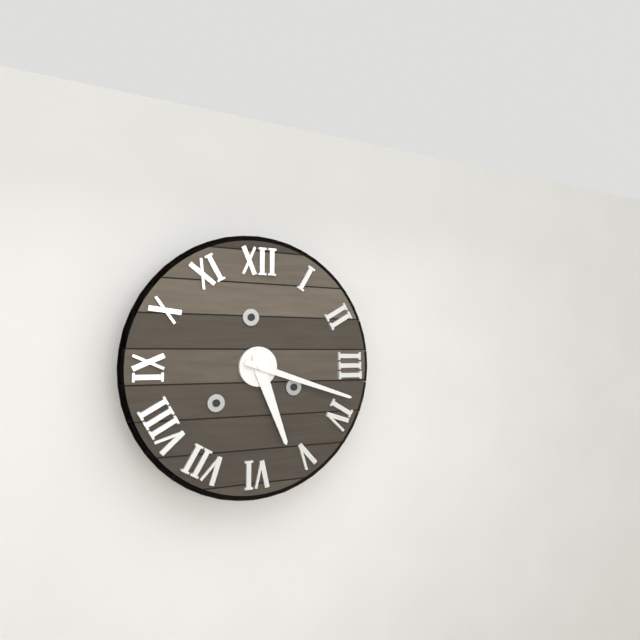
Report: 5:18
